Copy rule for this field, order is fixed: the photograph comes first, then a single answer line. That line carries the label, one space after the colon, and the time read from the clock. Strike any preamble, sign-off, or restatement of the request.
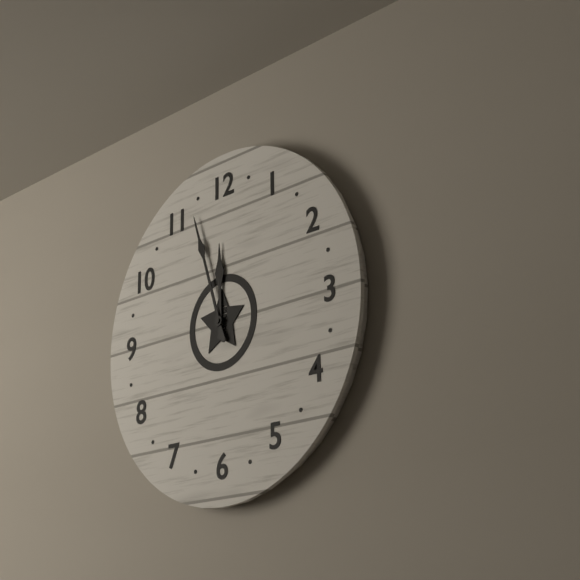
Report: 11:57
